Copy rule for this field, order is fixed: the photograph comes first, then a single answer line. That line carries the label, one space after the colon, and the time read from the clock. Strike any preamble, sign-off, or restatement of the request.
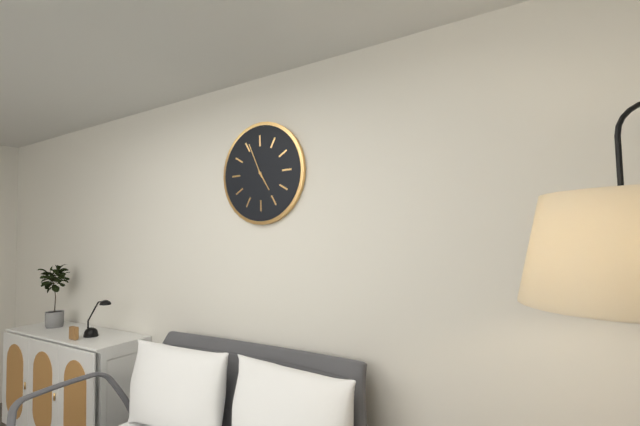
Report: 4:56
